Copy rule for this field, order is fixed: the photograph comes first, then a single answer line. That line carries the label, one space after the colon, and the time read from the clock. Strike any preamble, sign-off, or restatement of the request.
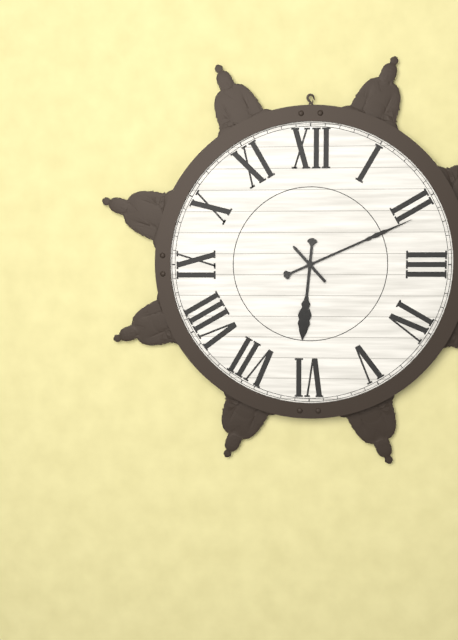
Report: 6:11
